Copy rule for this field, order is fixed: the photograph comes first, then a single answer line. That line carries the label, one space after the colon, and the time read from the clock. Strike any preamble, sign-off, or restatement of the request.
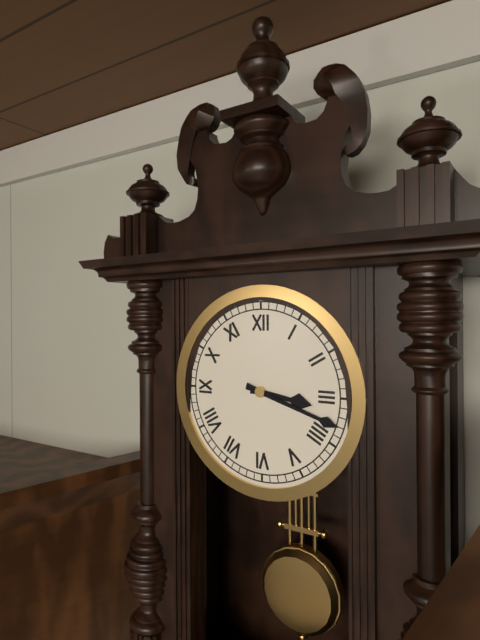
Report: 3:18
